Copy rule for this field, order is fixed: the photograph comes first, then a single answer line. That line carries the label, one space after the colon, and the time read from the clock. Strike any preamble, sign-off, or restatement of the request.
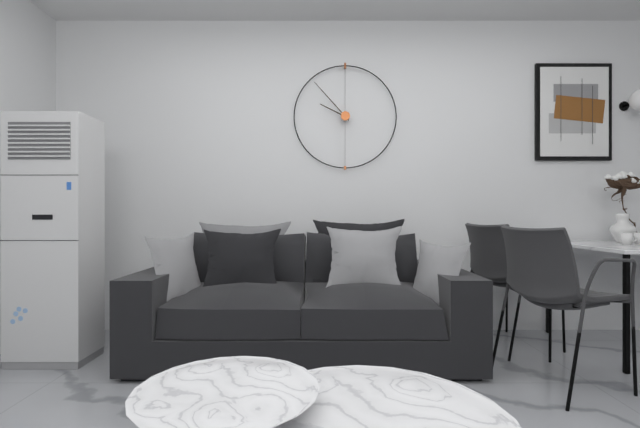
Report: 9:53
